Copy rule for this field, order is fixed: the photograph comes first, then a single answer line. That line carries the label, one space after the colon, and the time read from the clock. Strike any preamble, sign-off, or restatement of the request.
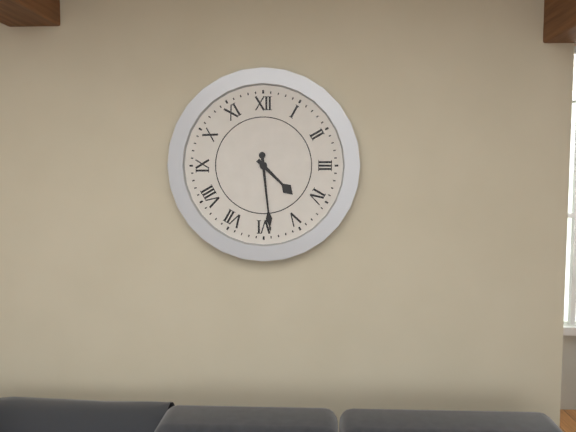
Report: 4:29
